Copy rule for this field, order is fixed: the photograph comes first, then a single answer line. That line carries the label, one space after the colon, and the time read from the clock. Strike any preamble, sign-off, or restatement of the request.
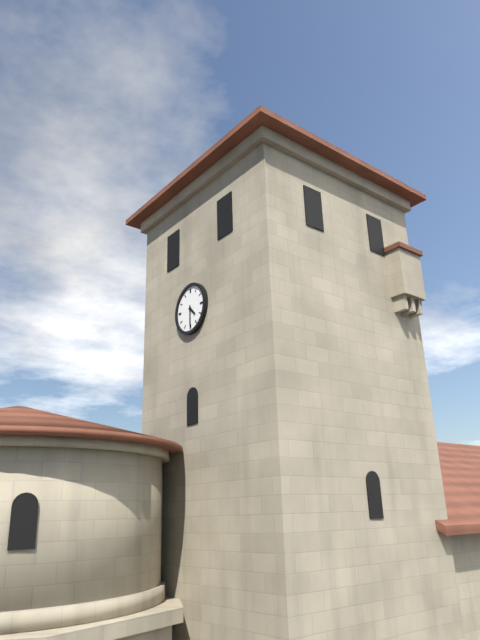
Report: 4:30
